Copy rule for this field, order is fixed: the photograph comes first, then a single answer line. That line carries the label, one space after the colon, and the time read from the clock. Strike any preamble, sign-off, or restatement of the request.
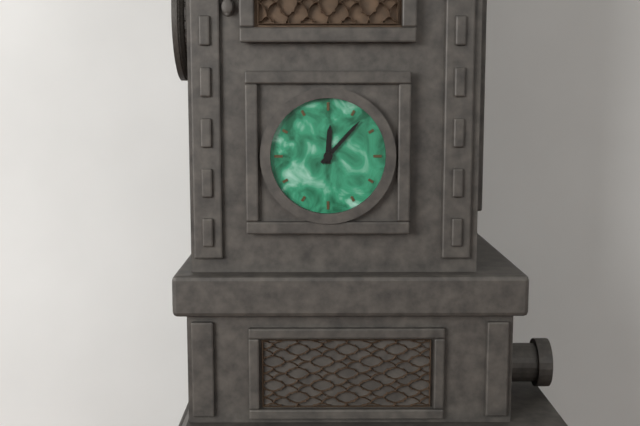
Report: 12:07
